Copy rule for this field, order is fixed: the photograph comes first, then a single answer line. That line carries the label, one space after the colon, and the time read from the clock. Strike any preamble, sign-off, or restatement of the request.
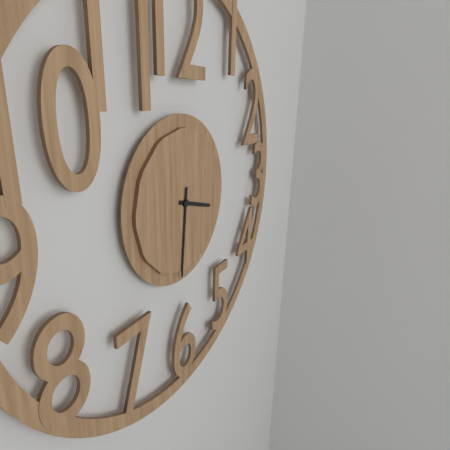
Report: 3:31
